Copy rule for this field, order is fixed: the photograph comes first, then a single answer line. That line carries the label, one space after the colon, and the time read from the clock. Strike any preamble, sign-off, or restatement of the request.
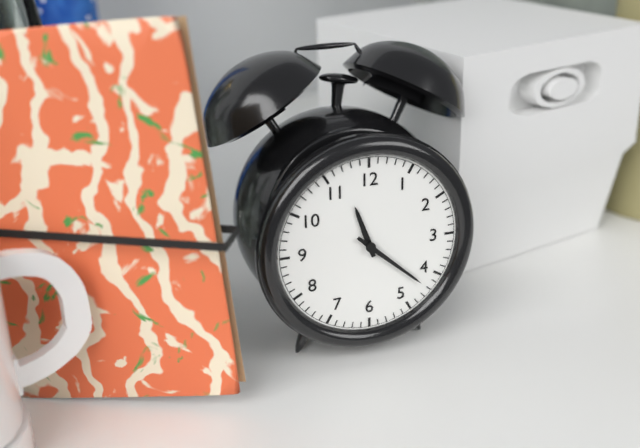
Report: 11:22
